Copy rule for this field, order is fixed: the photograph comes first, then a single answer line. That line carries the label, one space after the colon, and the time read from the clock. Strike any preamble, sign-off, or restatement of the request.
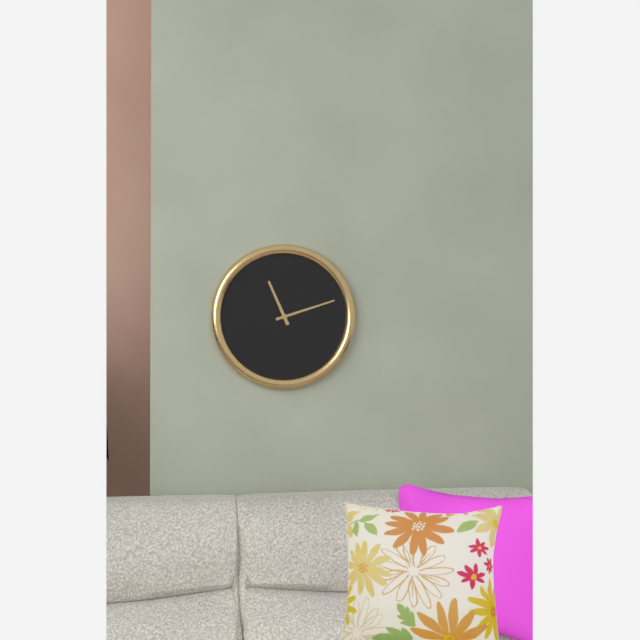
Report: 11:12
